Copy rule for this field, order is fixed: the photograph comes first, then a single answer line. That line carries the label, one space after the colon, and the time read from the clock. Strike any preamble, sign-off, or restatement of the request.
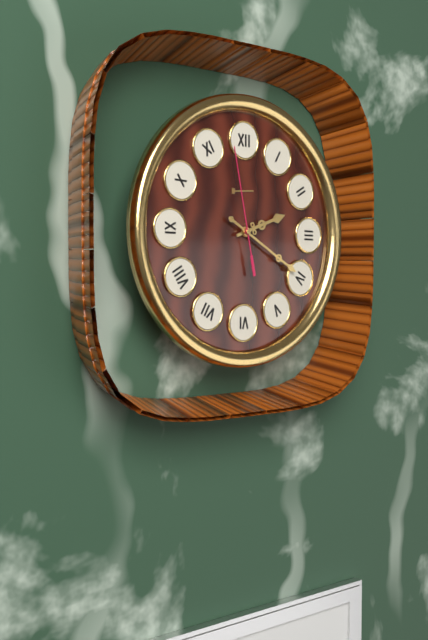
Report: 2:20:58
